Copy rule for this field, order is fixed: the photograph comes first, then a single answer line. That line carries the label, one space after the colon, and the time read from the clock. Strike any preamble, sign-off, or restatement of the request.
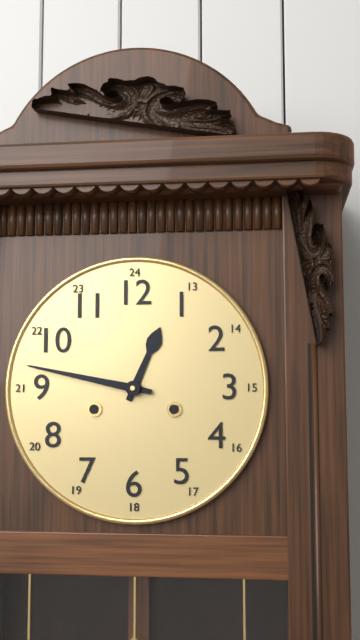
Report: 12:47
